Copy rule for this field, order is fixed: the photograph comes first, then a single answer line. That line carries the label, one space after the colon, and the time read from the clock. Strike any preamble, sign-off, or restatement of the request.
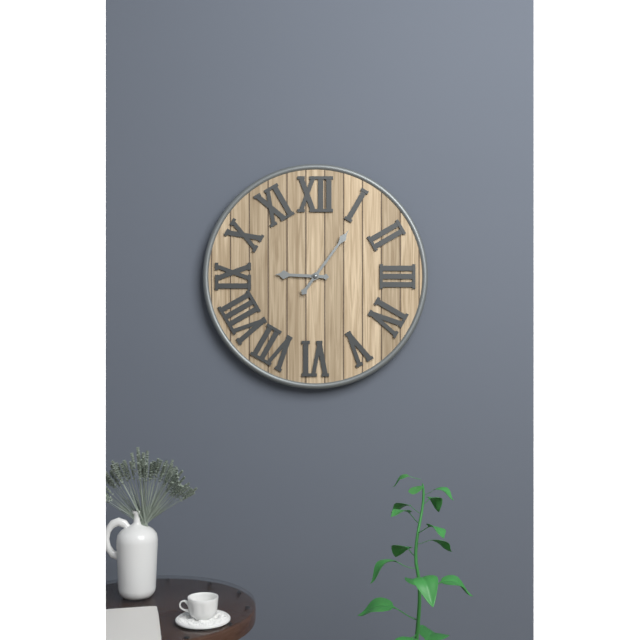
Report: 9:06
